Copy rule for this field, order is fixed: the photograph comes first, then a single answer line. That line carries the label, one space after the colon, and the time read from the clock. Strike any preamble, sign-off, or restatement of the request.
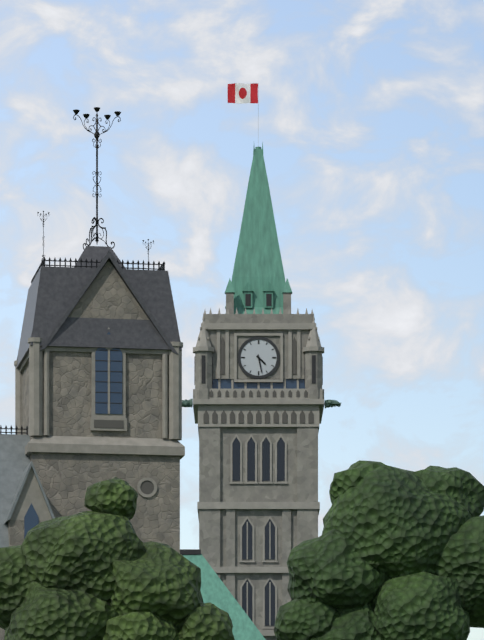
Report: 4:28
